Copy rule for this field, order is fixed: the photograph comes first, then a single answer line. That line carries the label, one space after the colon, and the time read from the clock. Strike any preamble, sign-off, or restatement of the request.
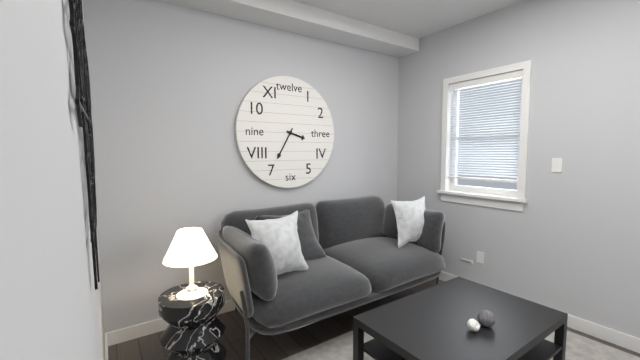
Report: 3:35
